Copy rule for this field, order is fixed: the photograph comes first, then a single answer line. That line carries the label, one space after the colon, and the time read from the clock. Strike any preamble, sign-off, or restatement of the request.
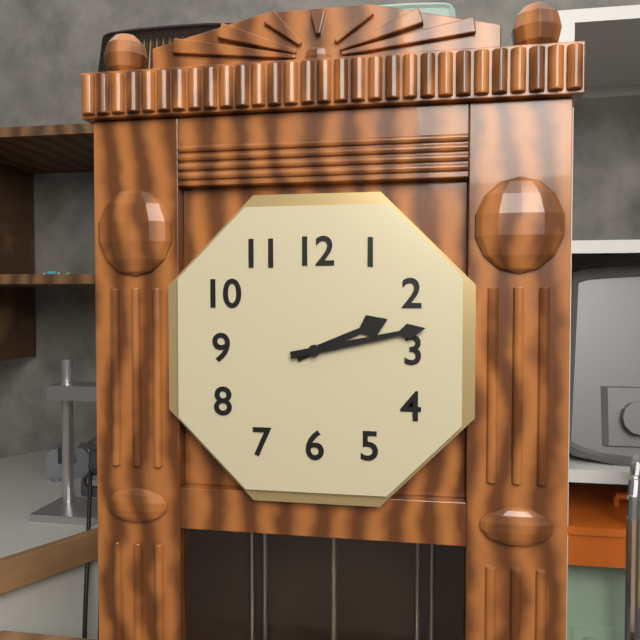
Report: 2:13
